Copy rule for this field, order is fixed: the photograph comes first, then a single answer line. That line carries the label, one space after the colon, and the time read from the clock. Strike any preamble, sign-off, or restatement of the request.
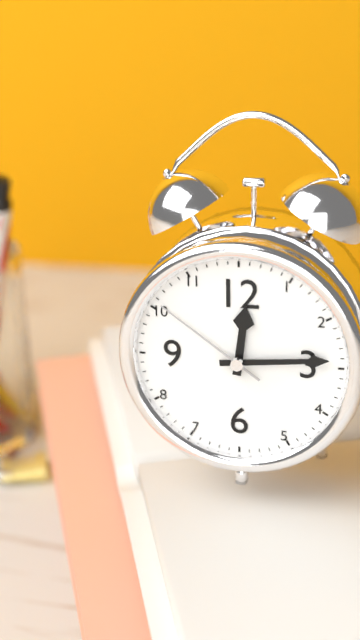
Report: 12:14:51
